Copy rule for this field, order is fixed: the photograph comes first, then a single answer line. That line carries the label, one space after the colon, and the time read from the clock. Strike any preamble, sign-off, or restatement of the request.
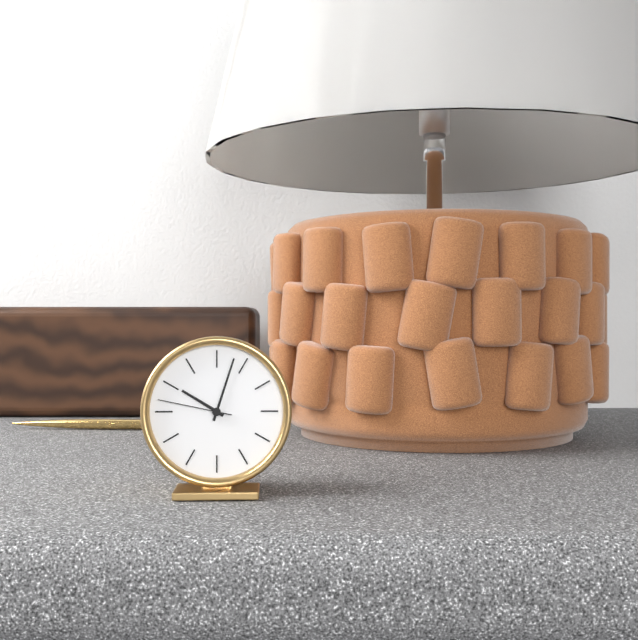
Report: 10:03:47
